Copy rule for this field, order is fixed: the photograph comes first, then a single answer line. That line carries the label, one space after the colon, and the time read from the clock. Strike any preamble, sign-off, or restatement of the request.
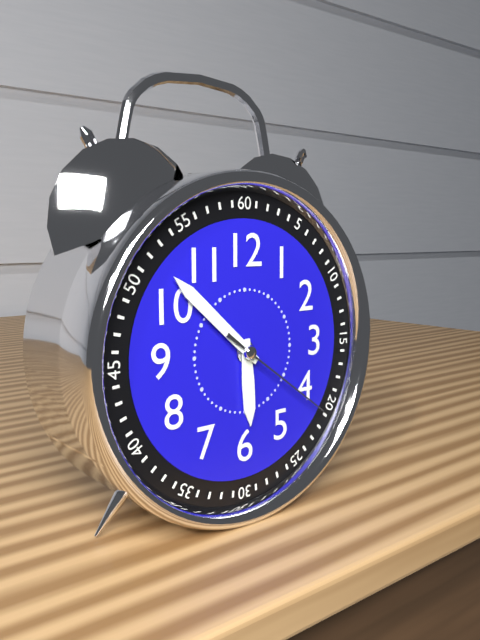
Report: 5:52:21
